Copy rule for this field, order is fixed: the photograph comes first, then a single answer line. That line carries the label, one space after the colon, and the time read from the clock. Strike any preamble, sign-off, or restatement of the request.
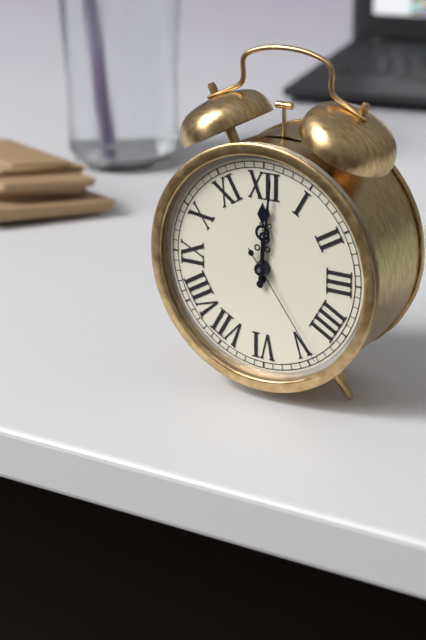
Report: 12:01:24
